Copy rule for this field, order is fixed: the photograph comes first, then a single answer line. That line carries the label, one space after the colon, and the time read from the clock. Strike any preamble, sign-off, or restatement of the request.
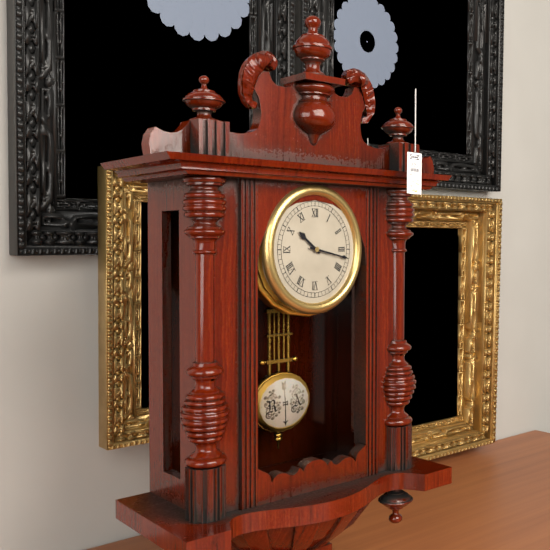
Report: 10:17
